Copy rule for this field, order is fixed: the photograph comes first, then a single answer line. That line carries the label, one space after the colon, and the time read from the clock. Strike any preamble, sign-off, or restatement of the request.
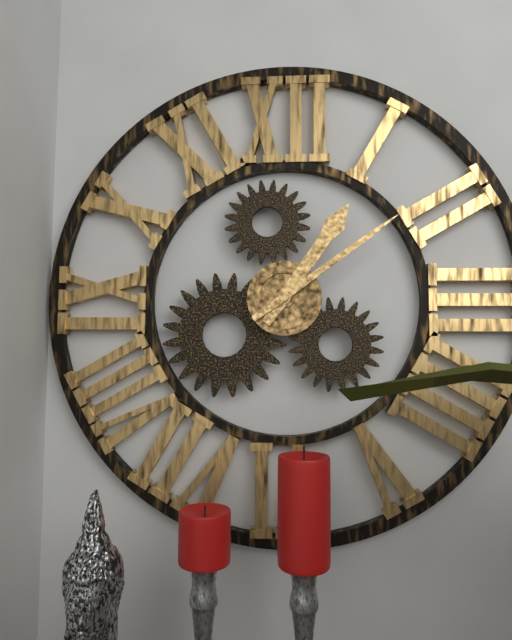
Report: 1:09
